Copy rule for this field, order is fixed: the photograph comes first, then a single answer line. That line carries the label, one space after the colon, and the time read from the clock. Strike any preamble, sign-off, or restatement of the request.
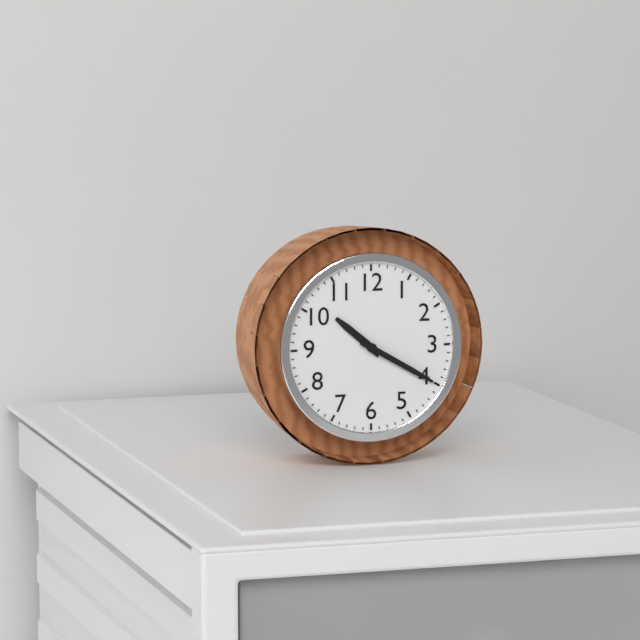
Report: 10:20
